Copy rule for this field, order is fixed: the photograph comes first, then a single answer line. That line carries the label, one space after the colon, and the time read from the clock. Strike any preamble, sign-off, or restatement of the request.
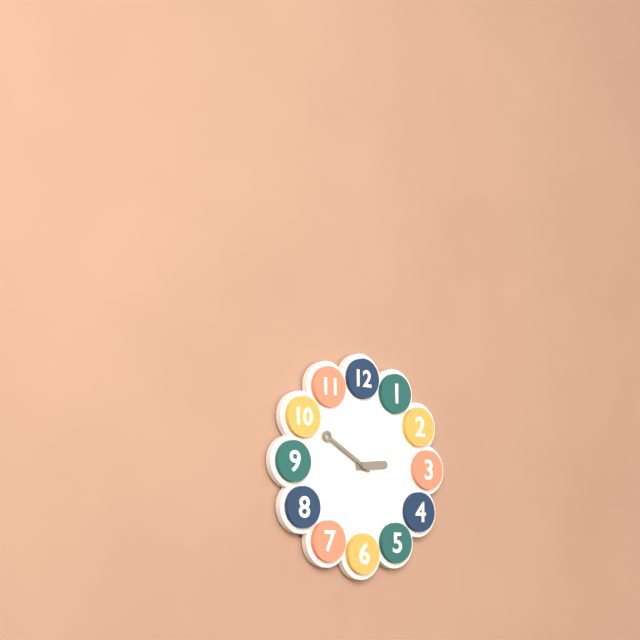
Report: 2:50
